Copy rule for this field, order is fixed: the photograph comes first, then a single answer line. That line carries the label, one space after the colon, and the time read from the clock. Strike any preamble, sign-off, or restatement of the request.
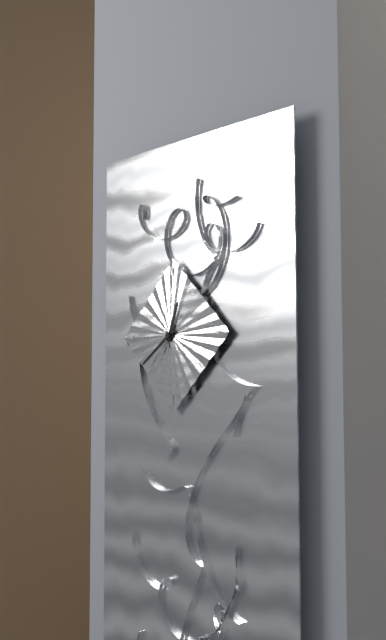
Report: 12:39:58
